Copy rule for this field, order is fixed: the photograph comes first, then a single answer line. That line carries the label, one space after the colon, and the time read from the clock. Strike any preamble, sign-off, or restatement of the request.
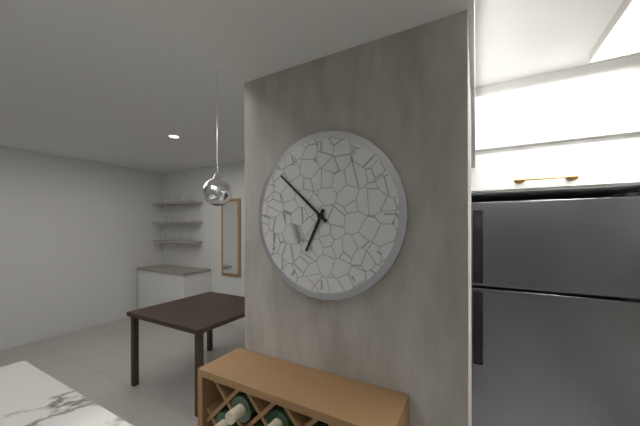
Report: 6:52
